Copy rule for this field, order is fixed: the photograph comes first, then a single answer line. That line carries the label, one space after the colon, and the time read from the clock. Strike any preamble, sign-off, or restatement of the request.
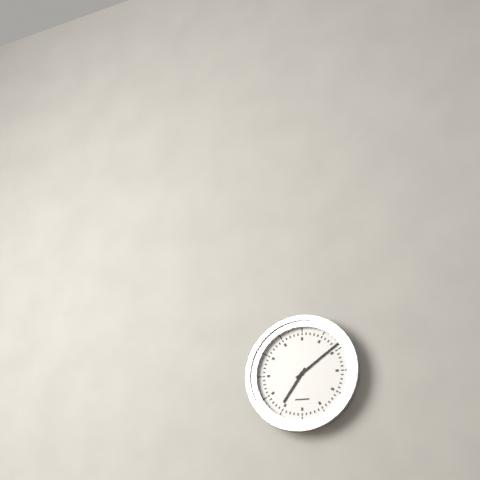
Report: 7:09
